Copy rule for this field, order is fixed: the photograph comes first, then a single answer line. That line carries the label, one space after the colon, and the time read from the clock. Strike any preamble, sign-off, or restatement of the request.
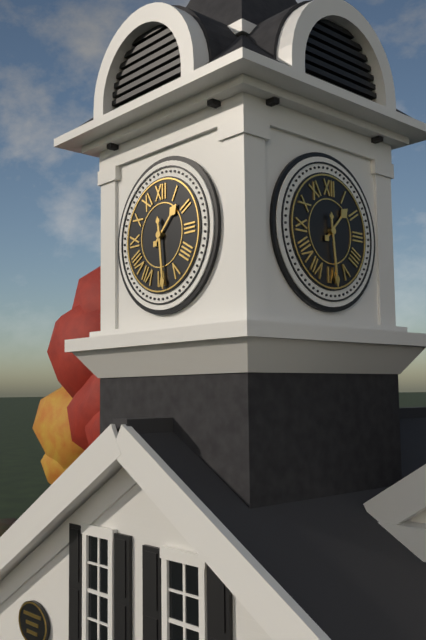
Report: 1:29
